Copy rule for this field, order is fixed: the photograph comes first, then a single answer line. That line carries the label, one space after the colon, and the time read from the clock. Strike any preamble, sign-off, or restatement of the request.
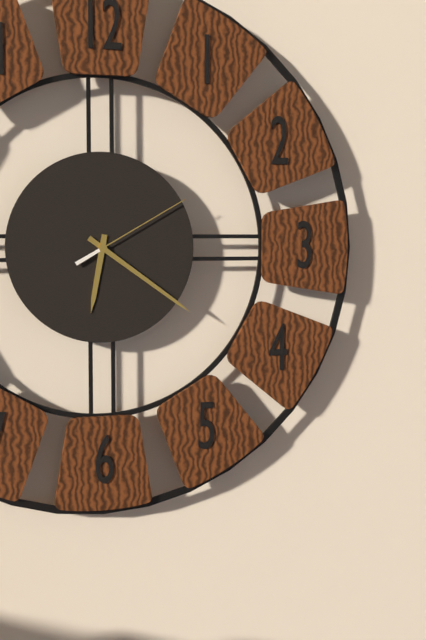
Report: 6:21:10
